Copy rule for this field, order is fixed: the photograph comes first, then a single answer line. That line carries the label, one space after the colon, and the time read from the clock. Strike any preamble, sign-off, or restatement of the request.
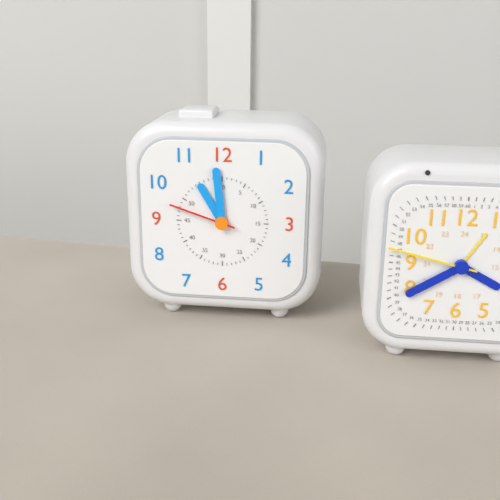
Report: 10:59:48
